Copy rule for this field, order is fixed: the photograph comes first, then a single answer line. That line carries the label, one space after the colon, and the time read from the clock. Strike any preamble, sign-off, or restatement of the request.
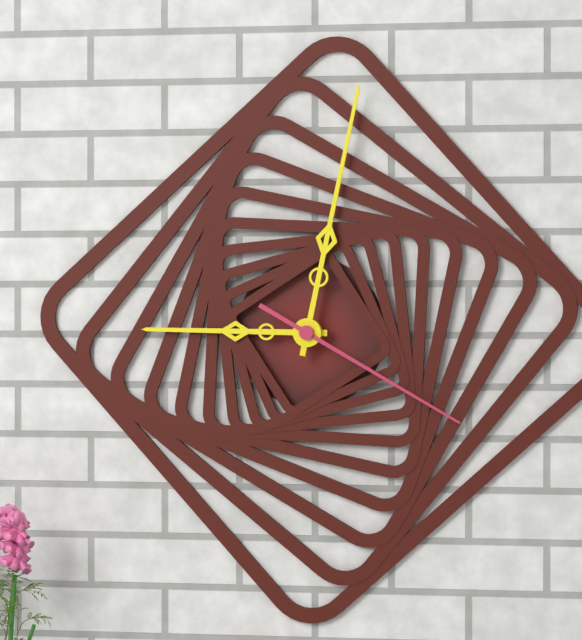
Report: 9:02:20
